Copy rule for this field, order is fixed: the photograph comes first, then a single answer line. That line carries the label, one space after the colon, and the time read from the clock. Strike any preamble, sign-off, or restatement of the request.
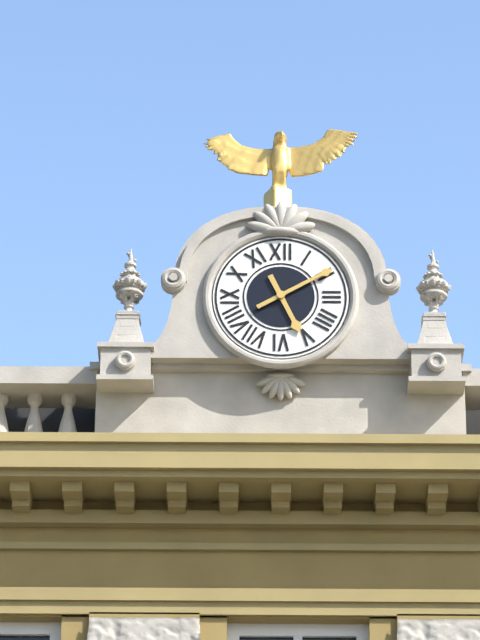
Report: 5:10
